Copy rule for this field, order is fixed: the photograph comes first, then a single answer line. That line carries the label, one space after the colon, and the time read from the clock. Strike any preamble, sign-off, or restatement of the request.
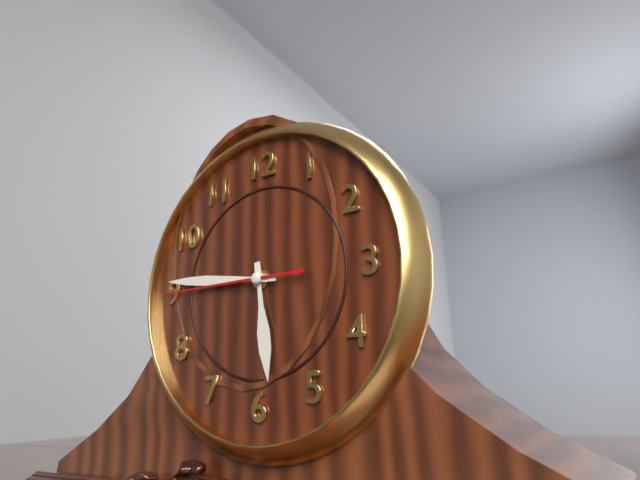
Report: 5:46:45
